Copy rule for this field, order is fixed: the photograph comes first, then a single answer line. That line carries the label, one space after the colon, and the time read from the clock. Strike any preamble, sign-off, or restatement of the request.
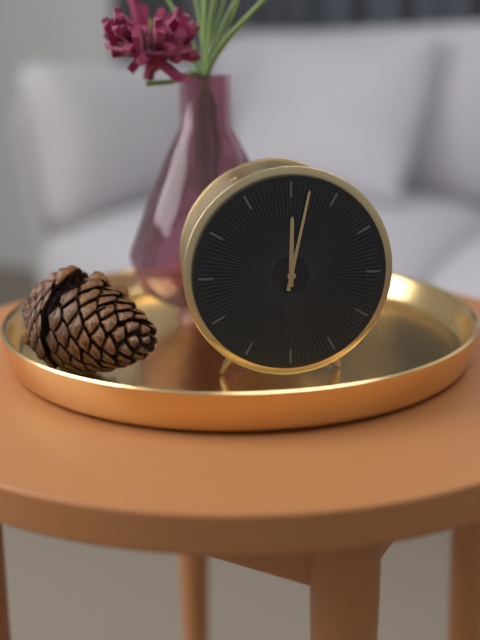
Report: 12:02
